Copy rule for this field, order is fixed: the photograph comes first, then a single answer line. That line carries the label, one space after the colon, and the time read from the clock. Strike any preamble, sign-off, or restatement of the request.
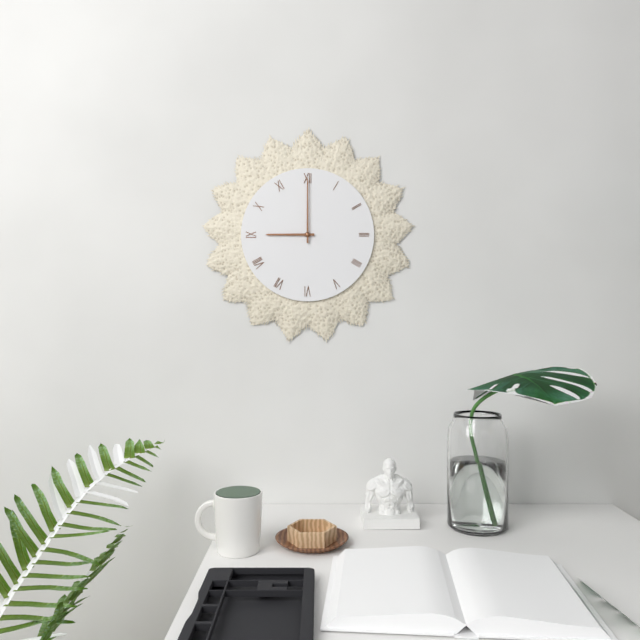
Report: 9:00
